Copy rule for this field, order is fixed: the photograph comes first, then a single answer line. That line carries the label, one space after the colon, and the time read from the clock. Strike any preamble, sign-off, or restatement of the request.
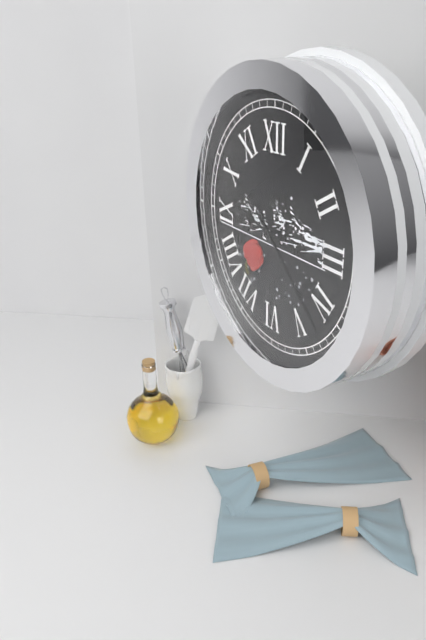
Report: 9:22:22
